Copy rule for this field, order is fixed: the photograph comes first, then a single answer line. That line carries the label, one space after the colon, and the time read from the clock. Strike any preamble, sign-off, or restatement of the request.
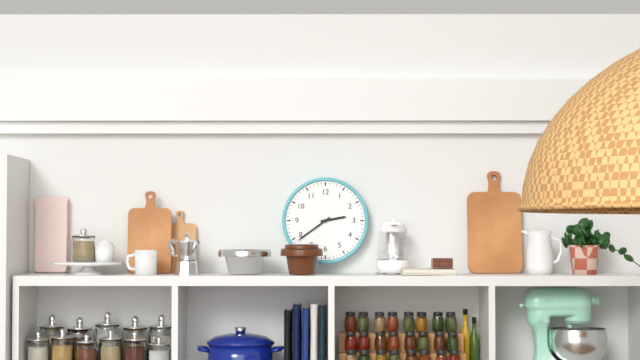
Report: 2:39
